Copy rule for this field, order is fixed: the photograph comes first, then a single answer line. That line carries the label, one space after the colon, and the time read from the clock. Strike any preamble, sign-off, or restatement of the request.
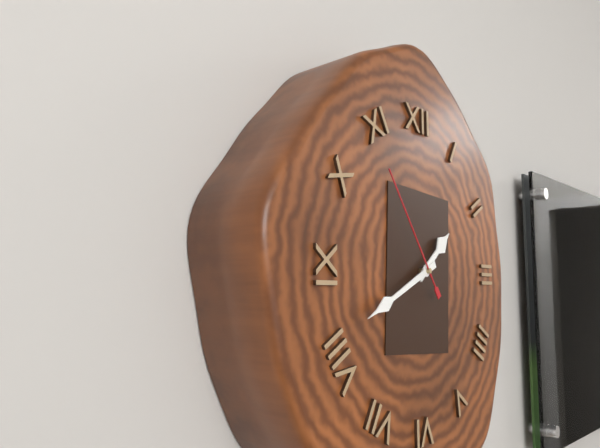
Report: 1:41:54
